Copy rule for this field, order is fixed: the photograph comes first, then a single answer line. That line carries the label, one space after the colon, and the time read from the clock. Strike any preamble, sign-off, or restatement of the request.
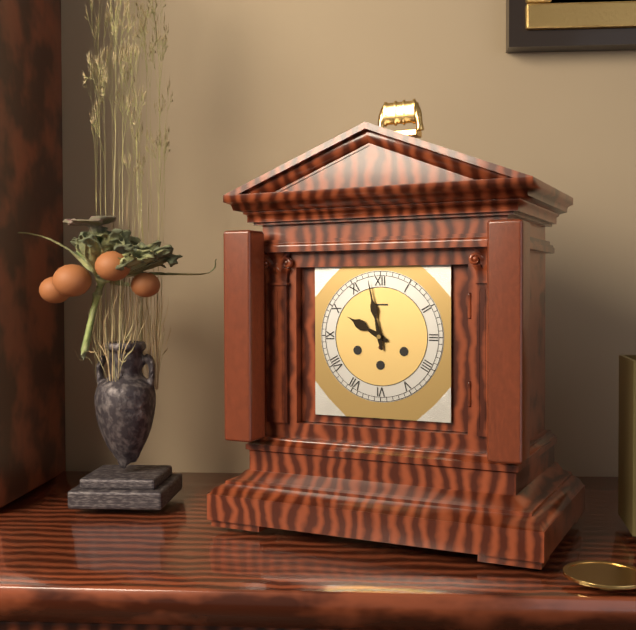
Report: 9:58
